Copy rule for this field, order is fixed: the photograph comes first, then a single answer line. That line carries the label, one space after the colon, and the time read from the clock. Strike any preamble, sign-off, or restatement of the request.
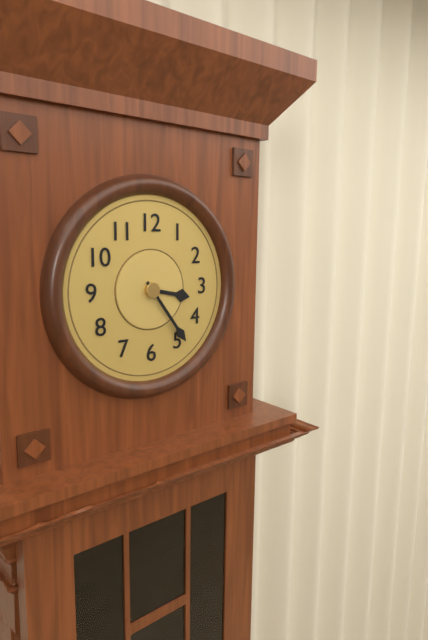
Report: 3:24
